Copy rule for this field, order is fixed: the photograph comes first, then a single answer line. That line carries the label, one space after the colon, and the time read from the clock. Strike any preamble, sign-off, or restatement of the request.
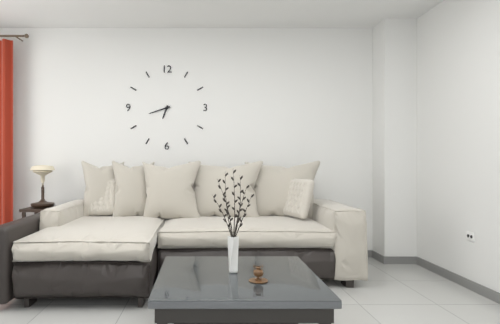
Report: 6:42
